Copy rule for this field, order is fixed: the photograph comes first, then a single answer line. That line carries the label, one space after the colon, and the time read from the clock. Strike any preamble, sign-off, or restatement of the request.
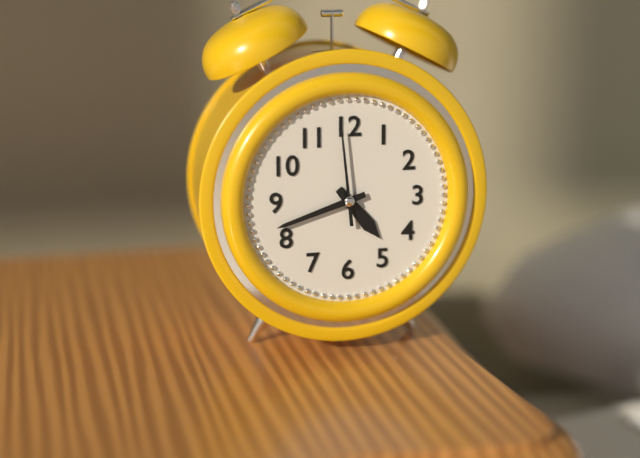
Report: 4:42:59
